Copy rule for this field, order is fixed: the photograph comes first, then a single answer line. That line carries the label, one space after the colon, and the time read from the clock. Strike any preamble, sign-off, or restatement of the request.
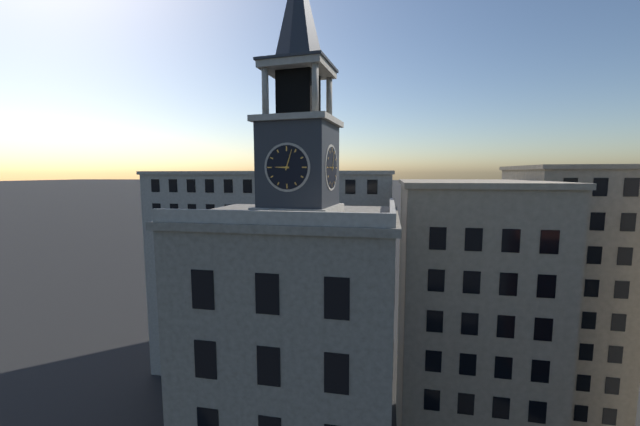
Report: 9:03
